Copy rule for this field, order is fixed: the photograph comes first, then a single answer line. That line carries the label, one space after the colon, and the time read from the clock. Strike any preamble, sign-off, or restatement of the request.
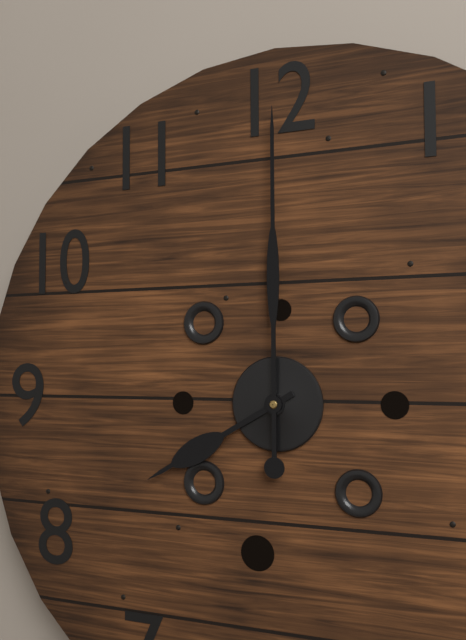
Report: 8:00
